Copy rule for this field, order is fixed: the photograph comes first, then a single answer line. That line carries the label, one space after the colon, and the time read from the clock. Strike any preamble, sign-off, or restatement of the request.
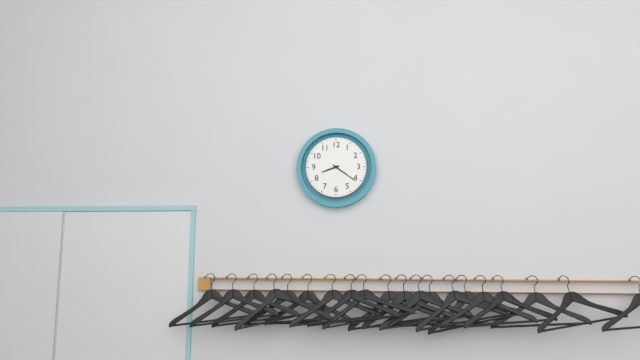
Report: 8:21
